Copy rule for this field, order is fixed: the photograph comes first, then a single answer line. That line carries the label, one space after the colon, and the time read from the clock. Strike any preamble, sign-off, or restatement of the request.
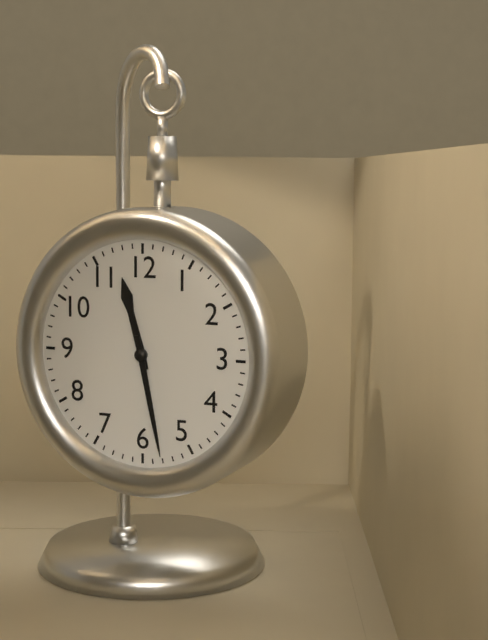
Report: 11:28
